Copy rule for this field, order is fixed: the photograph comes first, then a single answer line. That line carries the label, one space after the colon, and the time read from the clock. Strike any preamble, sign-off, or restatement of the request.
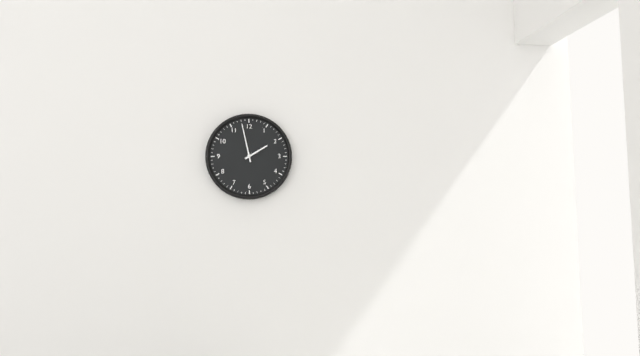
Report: 1:58
